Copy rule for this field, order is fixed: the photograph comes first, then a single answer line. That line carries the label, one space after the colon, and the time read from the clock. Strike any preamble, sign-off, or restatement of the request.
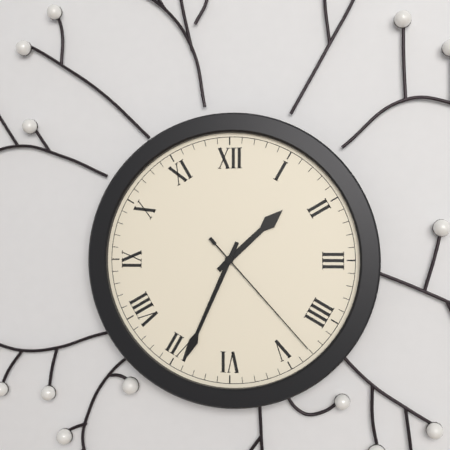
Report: 1:34:23
